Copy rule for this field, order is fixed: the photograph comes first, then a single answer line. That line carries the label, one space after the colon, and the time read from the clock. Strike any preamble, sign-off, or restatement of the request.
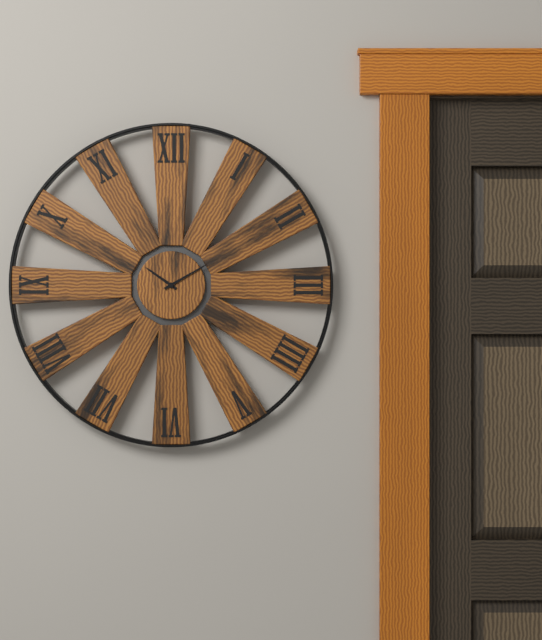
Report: 10:10
